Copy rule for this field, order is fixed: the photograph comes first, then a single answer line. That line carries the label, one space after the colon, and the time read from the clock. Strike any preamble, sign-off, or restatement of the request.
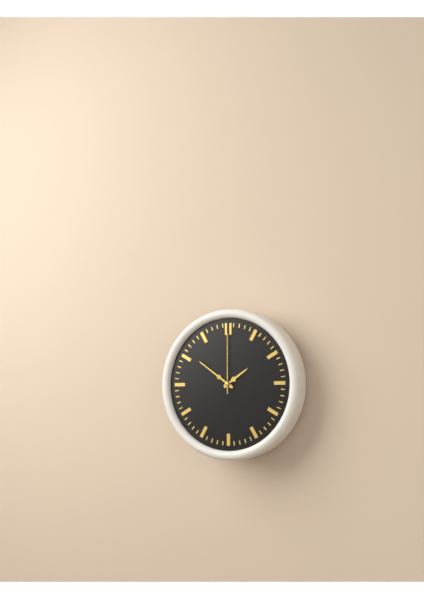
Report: 1:51:00
